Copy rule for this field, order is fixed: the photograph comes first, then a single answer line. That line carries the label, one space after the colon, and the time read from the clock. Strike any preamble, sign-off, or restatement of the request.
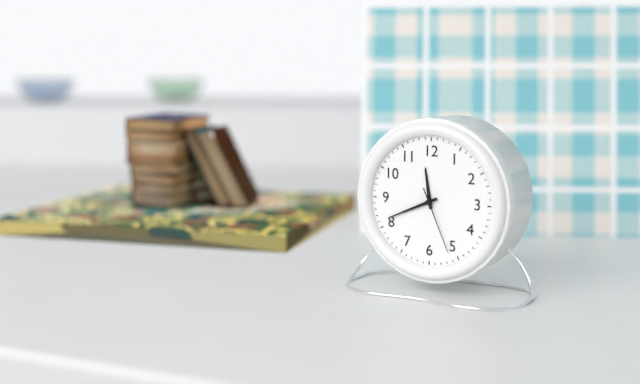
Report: 11:41:26
